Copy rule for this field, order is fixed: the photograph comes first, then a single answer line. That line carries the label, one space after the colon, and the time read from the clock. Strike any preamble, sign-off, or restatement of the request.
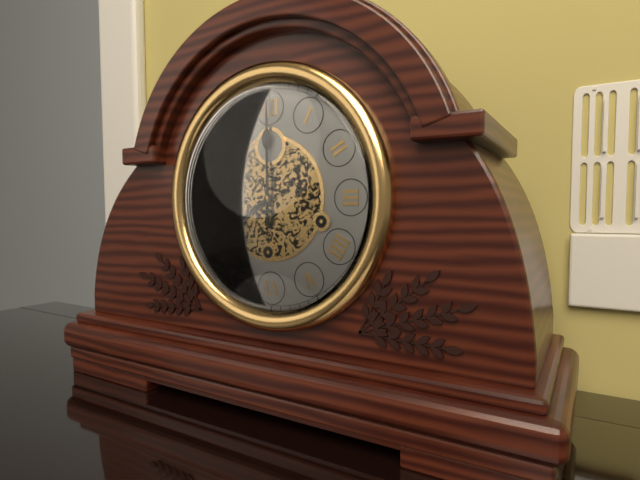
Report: 8:00
